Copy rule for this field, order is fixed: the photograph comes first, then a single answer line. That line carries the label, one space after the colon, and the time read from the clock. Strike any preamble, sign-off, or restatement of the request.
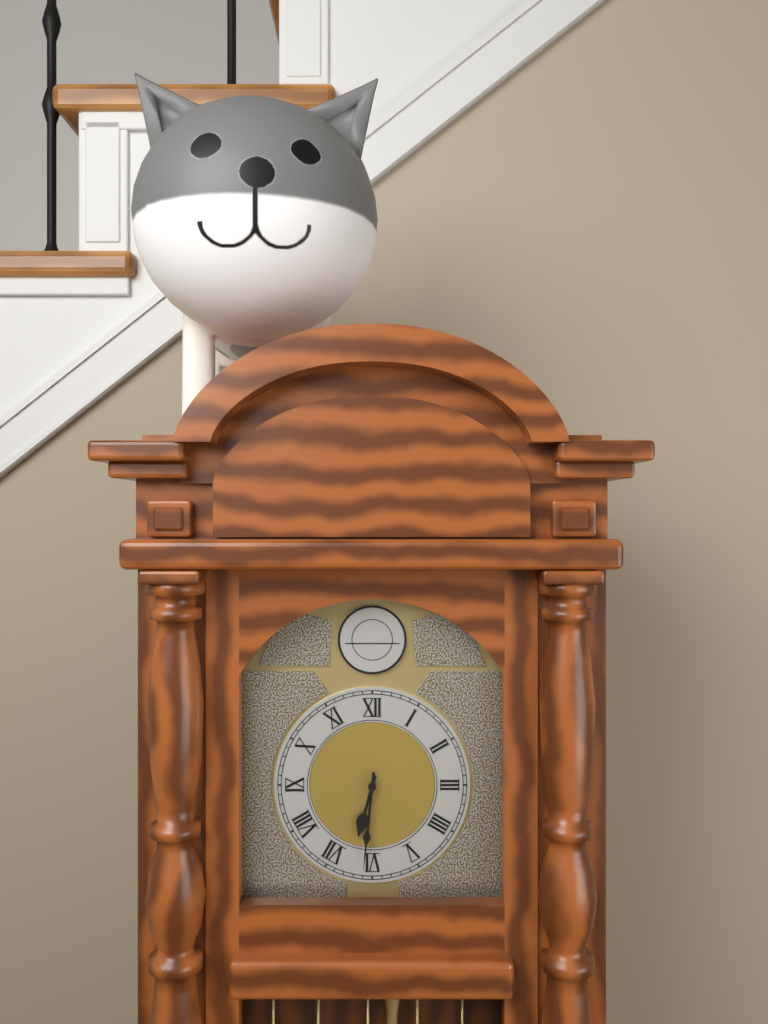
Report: 6:31
